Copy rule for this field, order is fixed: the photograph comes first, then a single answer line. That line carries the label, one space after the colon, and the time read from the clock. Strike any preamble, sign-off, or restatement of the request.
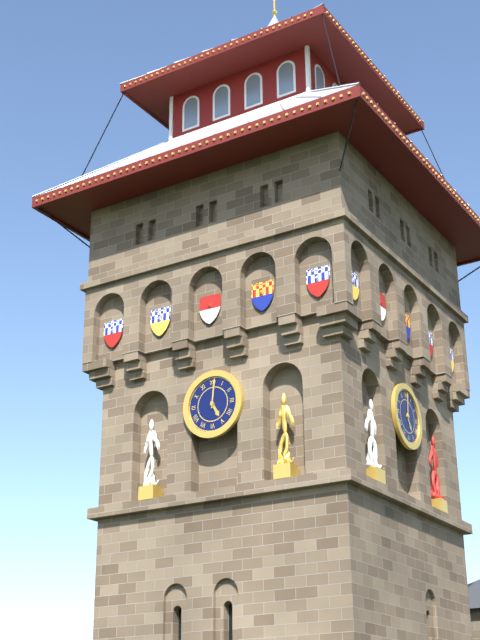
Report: 5:01
